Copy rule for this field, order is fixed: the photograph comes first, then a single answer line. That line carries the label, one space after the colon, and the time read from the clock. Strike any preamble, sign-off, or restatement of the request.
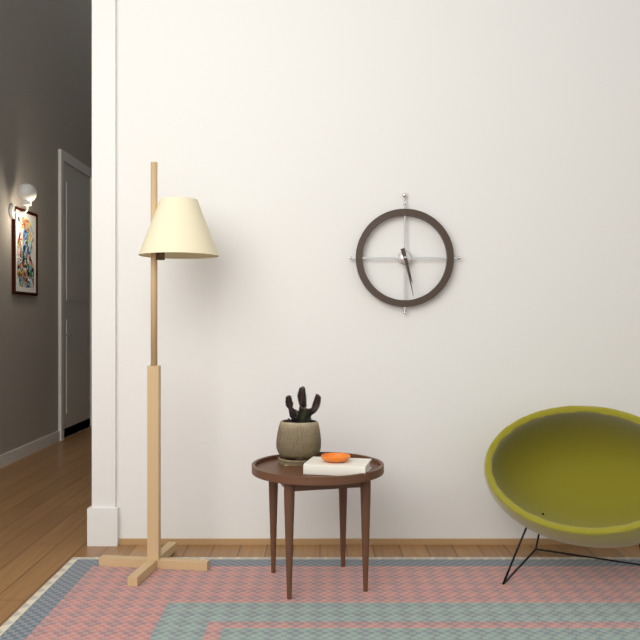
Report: 5:28
